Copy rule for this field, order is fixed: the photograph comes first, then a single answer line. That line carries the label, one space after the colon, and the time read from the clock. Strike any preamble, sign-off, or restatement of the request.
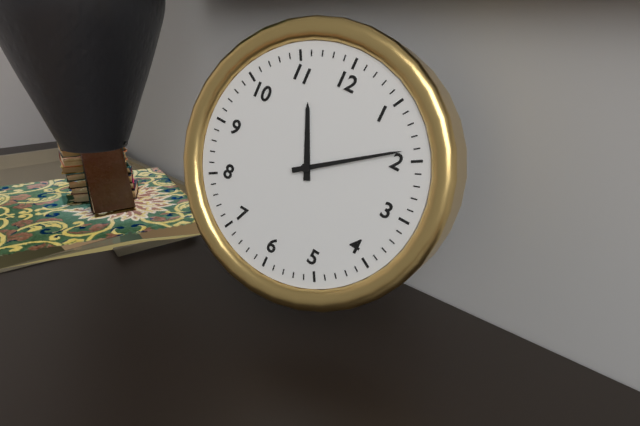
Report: 11:09
